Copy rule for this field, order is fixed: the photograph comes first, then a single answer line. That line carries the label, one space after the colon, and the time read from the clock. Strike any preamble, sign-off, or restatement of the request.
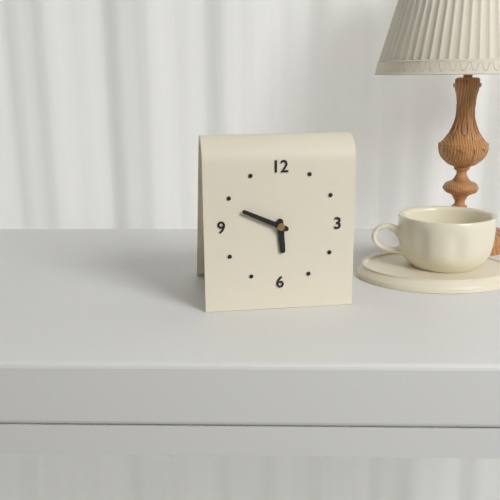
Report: 5:49
